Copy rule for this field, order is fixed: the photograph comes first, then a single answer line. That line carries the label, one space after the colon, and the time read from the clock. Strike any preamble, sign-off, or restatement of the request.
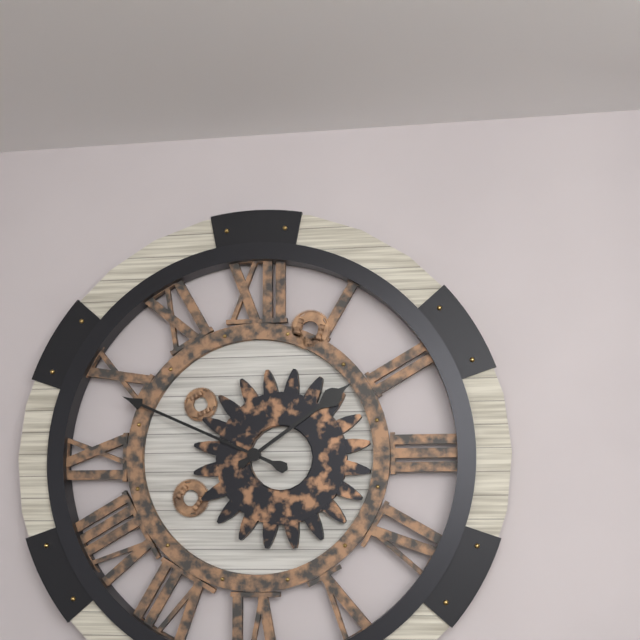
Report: 1:49
